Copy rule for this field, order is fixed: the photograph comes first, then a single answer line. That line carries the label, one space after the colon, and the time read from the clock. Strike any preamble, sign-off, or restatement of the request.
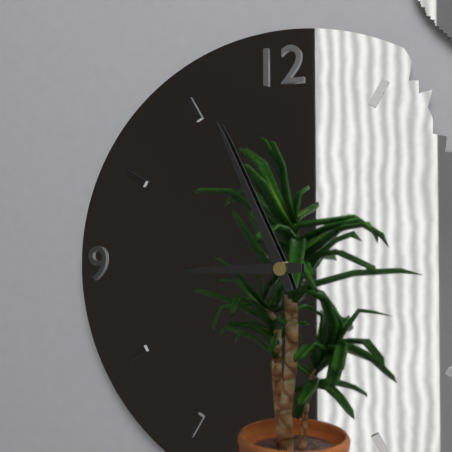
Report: 8:56
